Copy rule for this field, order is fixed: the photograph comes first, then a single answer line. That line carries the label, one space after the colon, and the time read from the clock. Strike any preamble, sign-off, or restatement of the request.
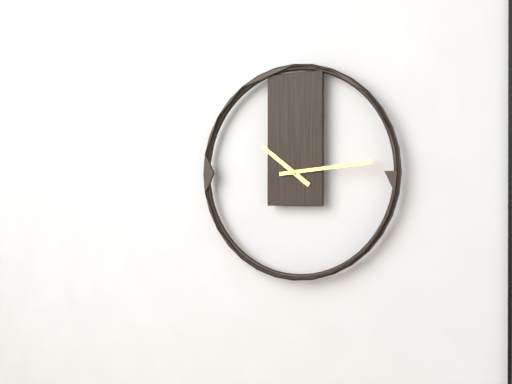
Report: 10:14
